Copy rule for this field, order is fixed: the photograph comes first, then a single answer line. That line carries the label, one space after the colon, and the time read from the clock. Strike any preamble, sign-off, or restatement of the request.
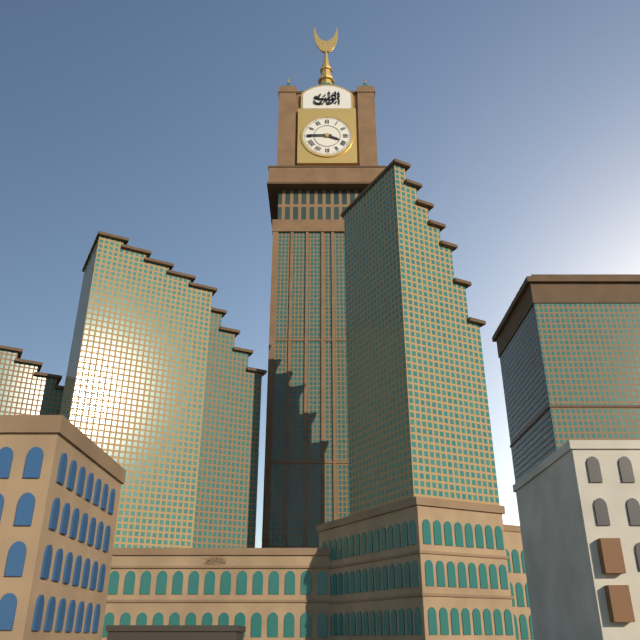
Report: 3:45
